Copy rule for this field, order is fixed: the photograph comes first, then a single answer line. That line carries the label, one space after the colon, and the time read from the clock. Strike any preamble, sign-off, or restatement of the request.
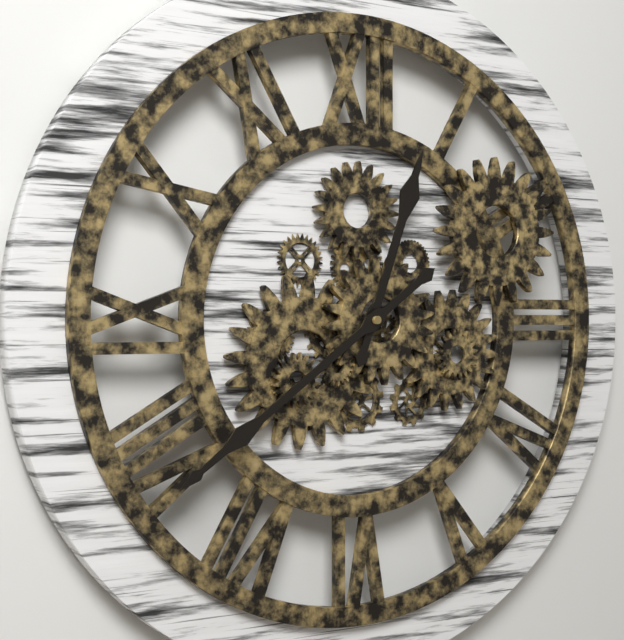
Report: 12:39
